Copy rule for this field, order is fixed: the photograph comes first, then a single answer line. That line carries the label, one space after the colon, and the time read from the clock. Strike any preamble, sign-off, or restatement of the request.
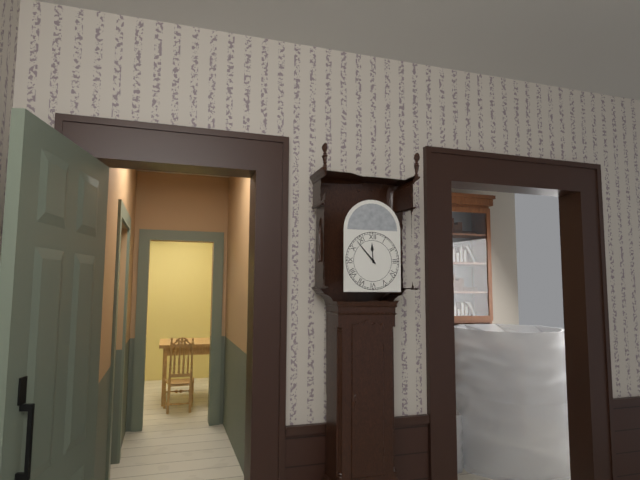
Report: 11:53
